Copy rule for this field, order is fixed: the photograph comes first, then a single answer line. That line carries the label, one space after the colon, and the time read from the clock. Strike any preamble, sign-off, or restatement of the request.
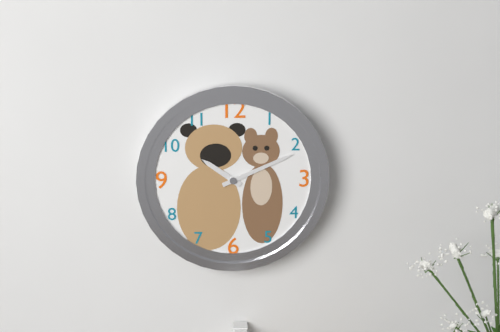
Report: 10:11
